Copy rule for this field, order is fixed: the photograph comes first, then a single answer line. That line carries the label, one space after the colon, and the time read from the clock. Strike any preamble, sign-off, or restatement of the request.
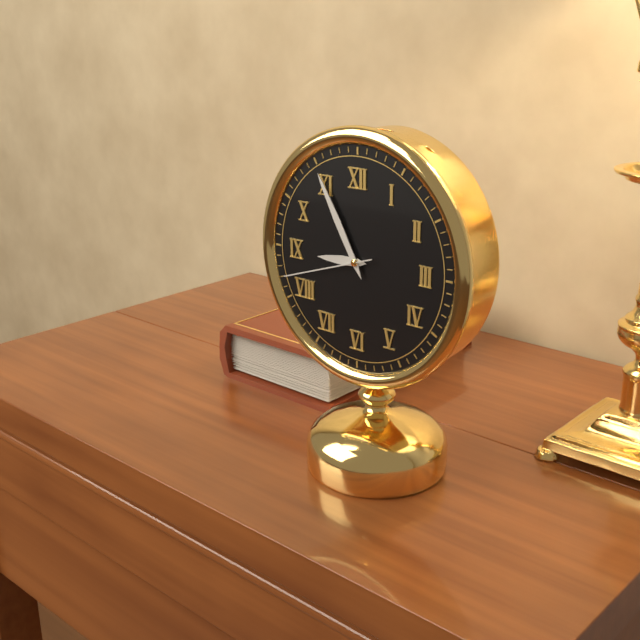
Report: 8:55:42
